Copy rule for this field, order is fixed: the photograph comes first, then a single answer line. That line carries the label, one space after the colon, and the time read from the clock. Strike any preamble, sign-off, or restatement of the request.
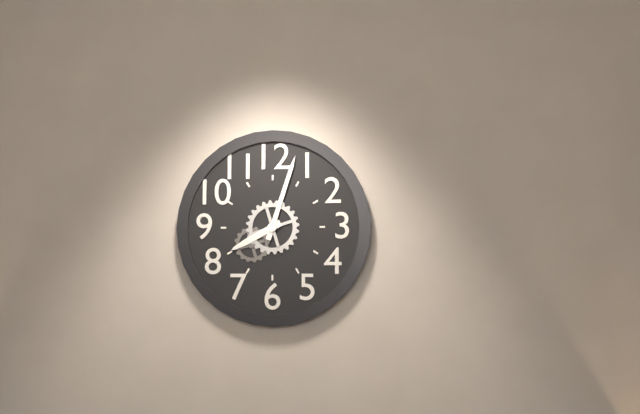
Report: 8:03
